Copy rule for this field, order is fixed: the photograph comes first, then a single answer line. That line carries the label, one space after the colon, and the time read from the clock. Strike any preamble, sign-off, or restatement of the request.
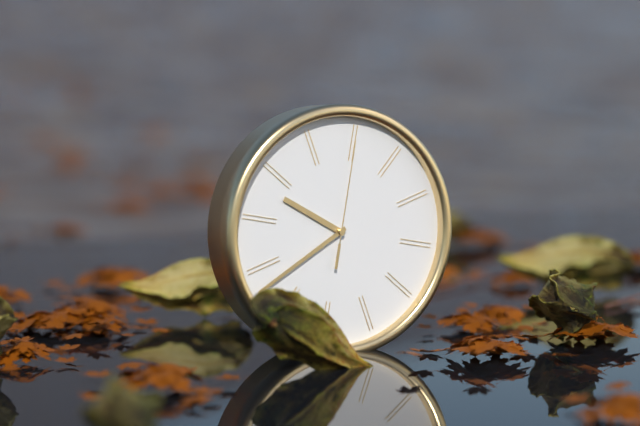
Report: 9:38:00
